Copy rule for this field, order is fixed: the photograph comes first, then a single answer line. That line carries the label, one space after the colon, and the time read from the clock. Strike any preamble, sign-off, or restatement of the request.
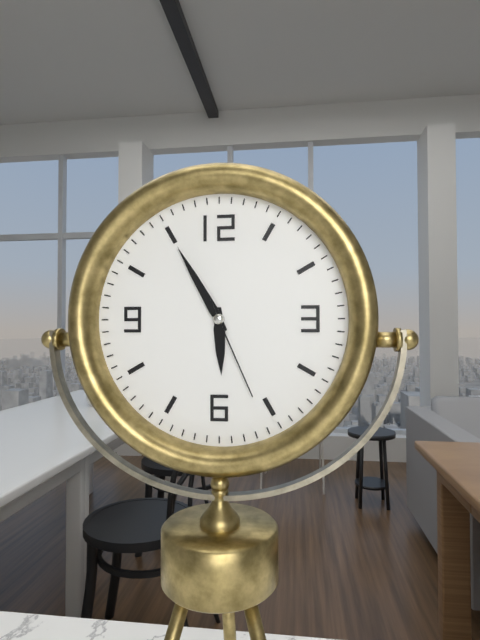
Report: 5:55:26
